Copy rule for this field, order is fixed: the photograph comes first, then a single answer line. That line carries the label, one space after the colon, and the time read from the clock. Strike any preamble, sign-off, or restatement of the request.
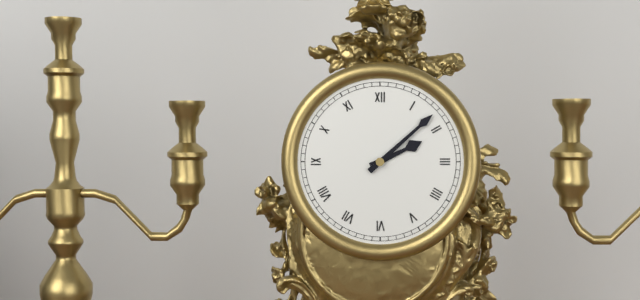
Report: 2:08
